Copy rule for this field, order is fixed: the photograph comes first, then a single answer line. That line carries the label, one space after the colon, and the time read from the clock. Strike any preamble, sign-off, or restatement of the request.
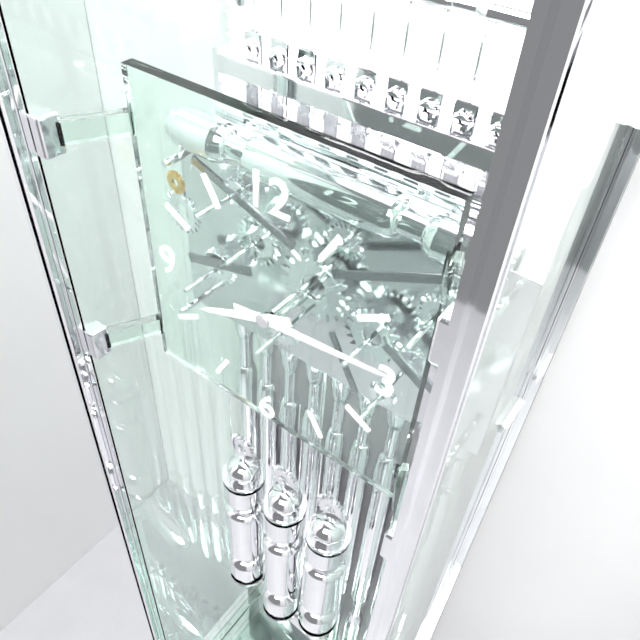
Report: 8:14
